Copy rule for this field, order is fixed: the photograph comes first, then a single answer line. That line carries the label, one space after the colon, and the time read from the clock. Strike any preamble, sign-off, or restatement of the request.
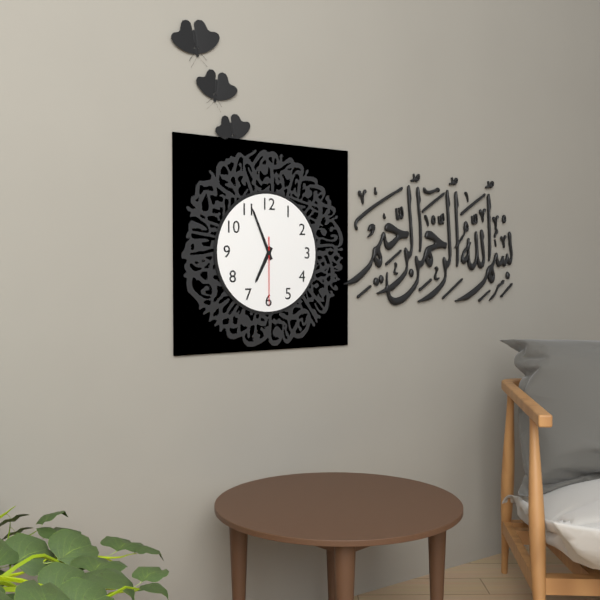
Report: 6:56:30
